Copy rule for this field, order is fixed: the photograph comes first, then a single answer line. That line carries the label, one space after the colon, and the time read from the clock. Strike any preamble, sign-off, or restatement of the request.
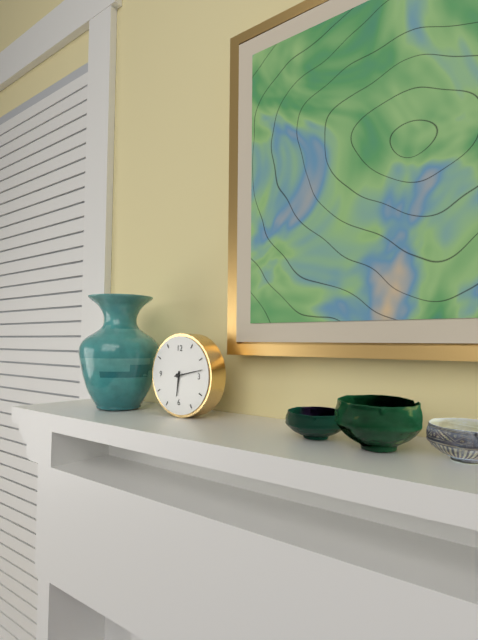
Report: 6:13
